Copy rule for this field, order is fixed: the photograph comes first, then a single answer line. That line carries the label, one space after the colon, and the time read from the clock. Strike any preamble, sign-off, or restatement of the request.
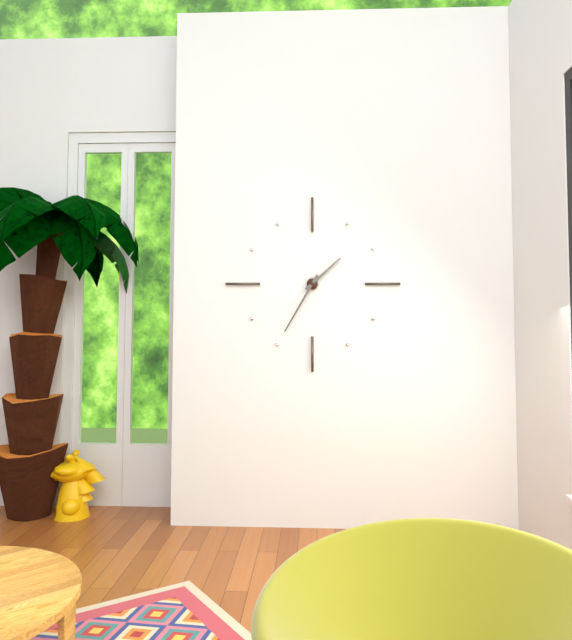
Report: 1:35
